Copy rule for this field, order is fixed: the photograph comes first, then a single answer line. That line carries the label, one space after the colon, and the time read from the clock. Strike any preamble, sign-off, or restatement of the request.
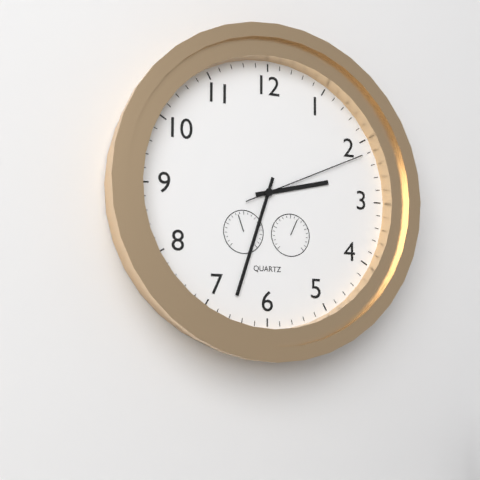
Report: 2:33:11
